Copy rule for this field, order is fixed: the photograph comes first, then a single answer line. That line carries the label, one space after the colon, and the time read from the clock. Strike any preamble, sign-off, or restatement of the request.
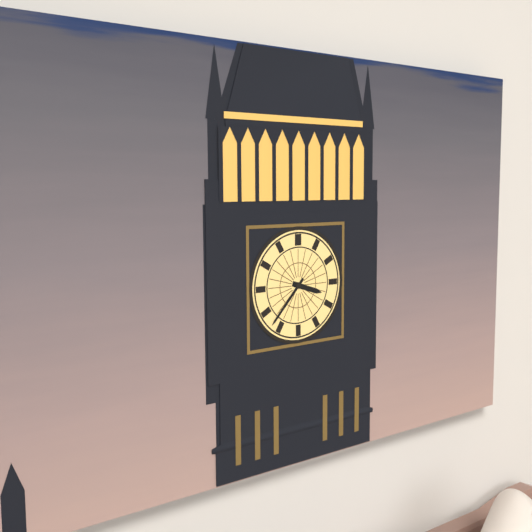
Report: 3:37
